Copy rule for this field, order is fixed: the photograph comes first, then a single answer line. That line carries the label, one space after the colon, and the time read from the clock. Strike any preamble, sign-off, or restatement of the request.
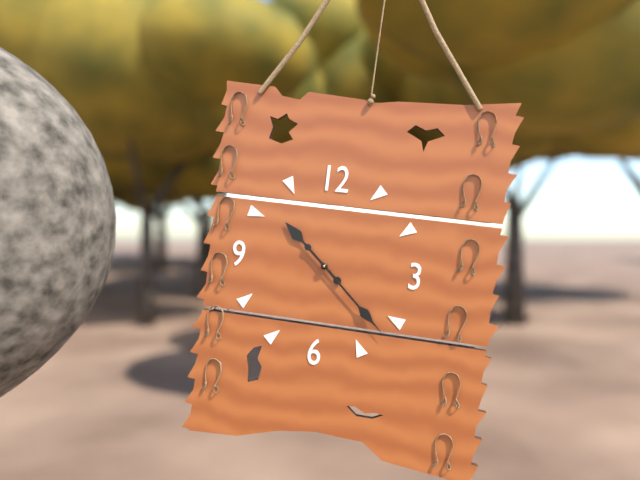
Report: 10:22
